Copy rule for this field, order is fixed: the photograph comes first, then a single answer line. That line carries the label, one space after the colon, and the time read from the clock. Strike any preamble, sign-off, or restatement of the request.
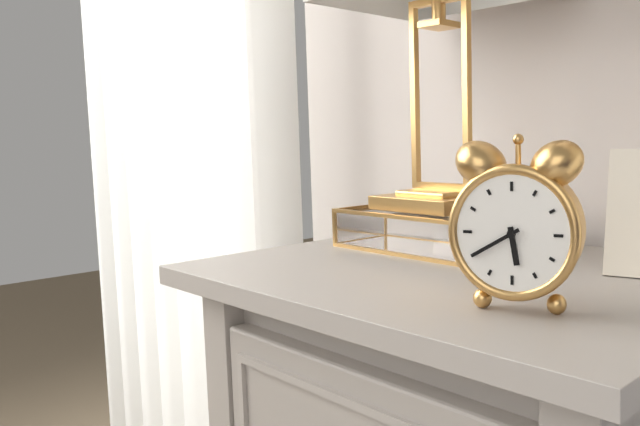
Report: 5:40
